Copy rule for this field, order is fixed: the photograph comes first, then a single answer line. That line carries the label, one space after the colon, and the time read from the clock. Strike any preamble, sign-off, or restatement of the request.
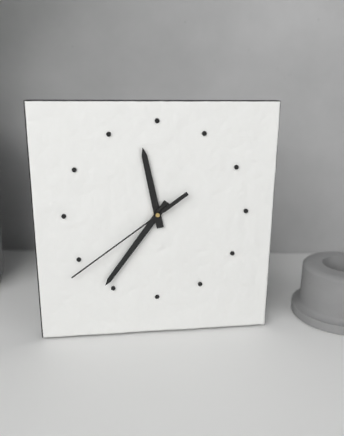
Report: 11:36:39
